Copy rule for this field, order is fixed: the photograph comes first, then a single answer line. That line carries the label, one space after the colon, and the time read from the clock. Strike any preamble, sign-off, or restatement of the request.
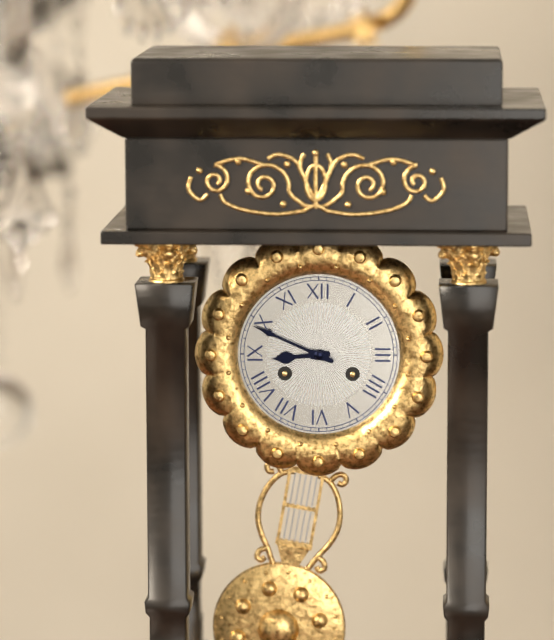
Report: 8:49
